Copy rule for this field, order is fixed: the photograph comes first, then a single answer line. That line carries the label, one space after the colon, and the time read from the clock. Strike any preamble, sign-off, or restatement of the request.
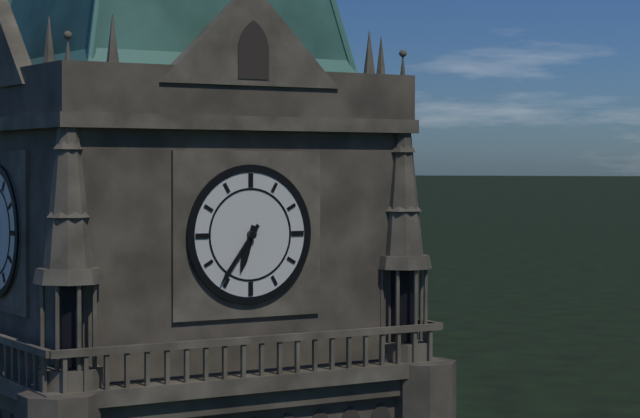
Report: 6:36
